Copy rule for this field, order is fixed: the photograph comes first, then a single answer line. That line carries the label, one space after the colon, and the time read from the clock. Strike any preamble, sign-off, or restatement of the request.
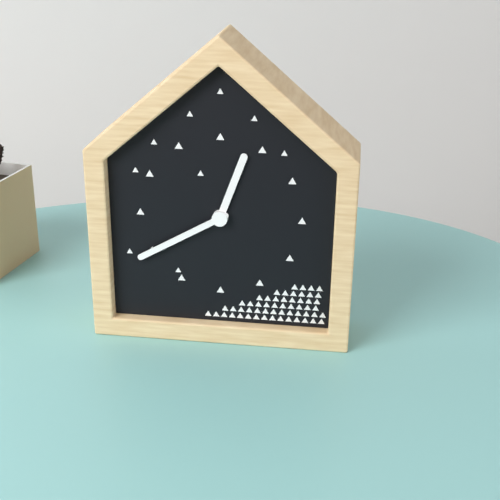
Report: 12:40
